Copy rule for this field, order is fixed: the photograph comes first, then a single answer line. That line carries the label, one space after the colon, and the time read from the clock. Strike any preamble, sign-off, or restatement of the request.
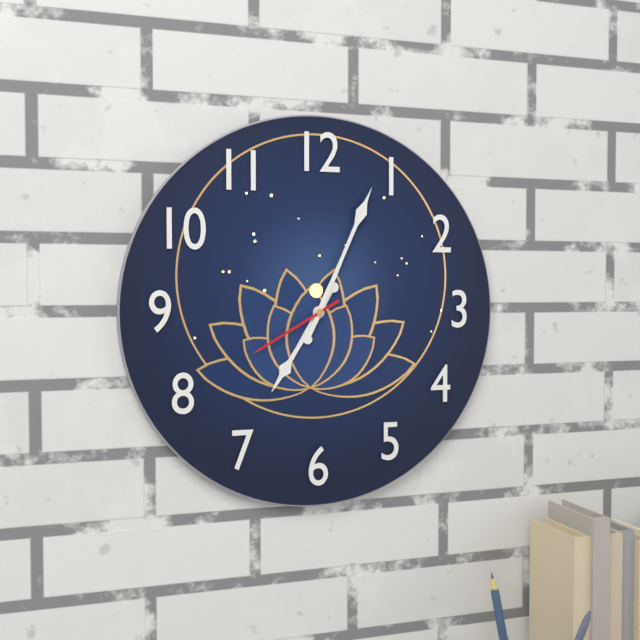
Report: 7:04:40
